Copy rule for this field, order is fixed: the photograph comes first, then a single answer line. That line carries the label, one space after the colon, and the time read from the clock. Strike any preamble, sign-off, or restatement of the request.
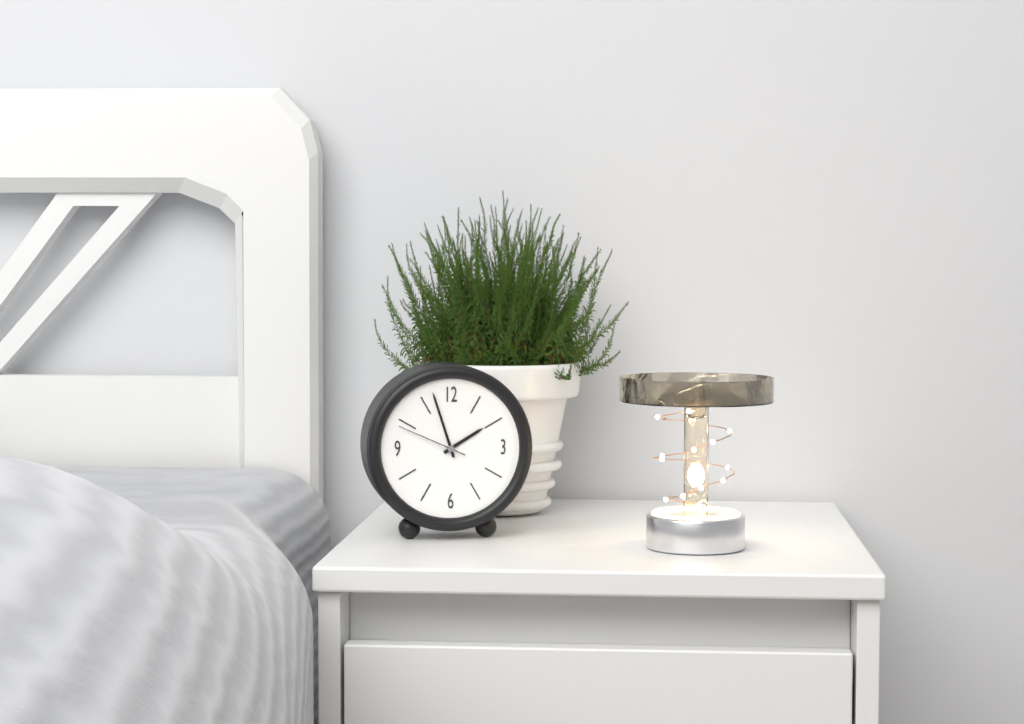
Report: 1:57:49
